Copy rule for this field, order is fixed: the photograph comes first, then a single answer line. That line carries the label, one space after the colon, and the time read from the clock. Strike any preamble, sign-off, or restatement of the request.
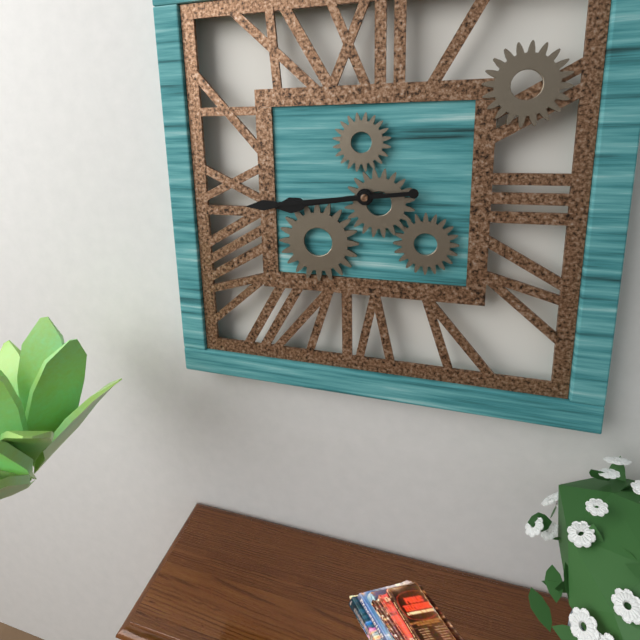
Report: 8:44
